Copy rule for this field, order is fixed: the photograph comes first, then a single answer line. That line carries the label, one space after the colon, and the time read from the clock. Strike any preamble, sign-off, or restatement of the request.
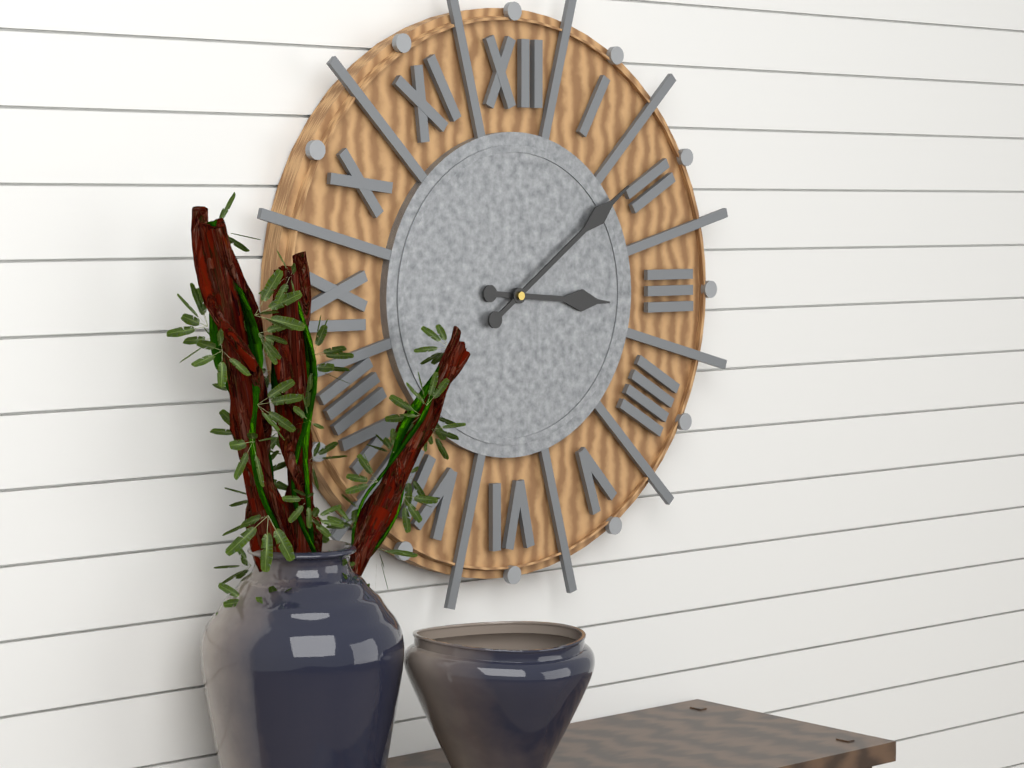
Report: 3:09
